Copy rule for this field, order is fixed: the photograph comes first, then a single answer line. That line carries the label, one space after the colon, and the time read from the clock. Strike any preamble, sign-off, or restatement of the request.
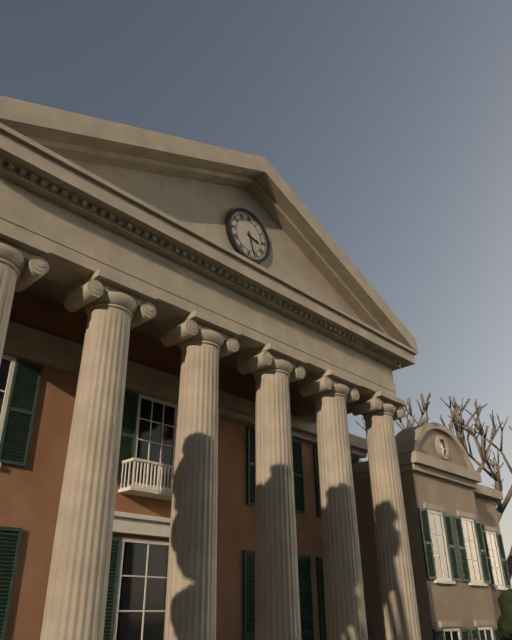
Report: 3:27
